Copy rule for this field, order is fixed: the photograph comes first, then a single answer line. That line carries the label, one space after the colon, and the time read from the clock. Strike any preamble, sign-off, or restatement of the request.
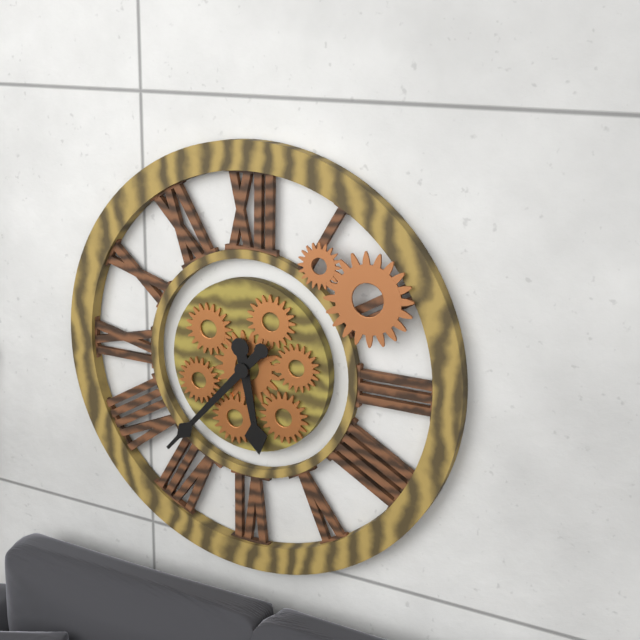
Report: 5:37
